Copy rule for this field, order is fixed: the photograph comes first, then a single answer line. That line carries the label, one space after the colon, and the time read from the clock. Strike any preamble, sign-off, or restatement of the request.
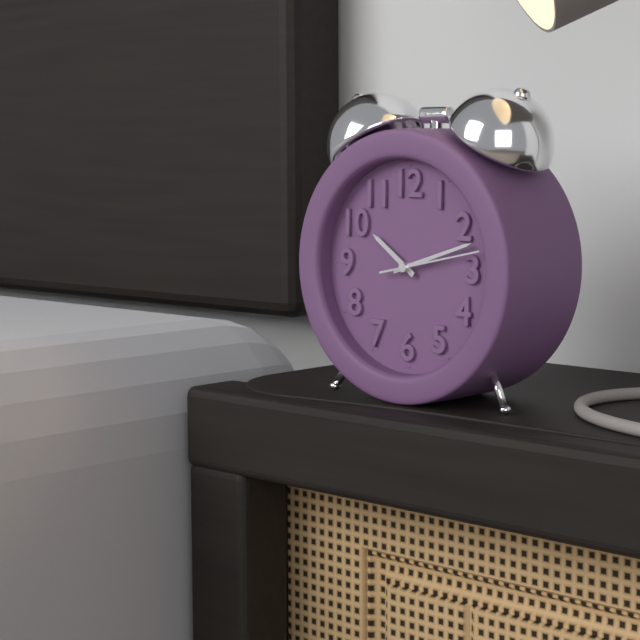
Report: 10:12:13
